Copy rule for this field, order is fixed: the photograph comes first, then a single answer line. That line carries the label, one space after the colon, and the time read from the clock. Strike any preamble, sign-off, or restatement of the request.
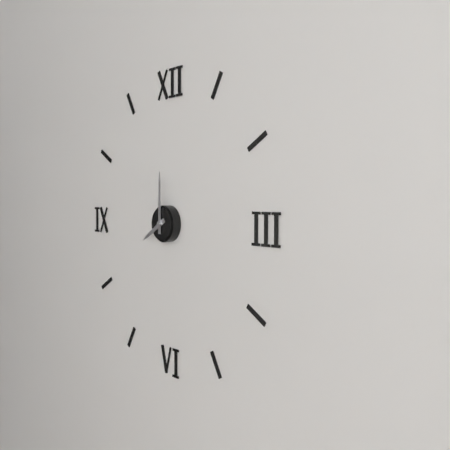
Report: 8:00
